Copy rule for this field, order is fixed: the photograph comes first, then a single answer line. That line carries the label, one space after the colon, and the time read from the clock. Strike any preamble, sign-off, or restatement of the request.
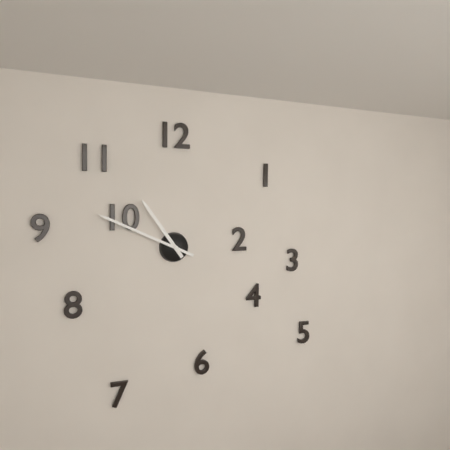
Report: 10:49
